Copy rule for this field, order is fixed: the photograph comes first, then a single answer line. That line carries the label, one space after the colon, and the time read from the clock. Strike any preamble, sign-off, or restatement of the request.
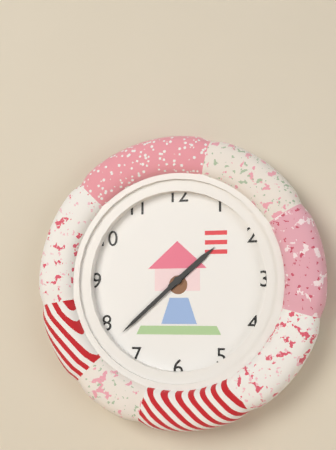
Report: 1:38
